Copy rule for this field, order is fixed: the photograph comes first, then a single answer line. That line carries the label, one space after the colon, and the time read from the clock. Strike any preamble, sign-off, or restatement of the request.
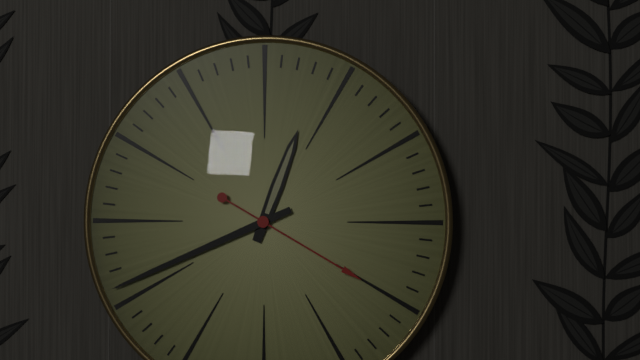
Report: 12:41:20
